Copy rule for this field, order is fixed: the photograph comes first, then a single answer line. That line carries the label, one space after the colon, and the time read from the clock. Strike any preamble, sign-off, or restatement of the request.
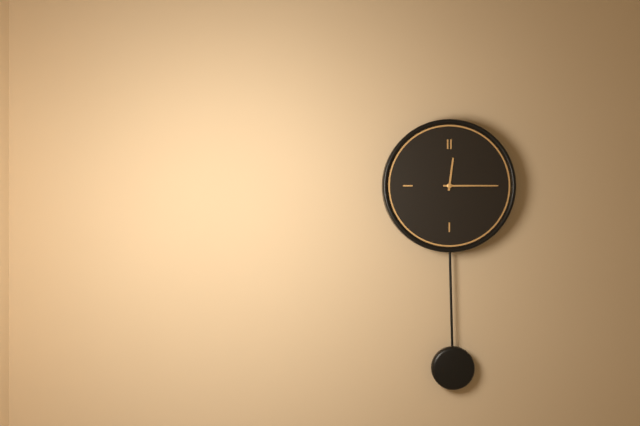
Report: 12:15
